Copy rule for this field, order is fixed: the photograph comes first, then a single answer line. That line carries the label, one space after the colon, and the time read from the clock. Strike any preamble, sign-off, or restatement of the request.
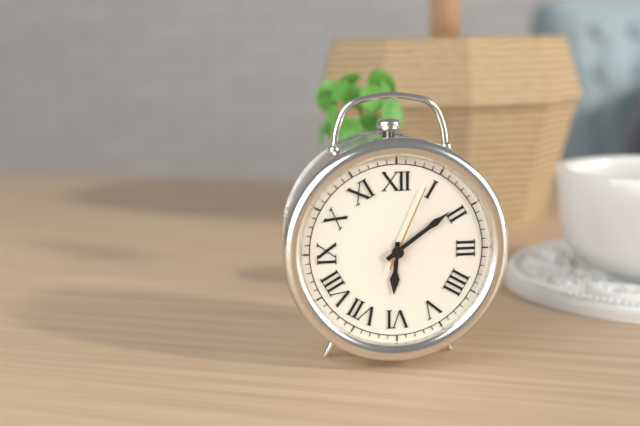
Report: 6:09:04
